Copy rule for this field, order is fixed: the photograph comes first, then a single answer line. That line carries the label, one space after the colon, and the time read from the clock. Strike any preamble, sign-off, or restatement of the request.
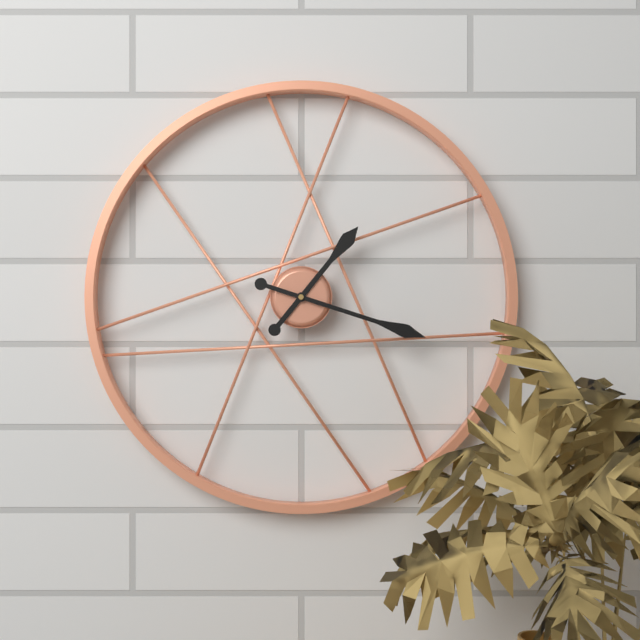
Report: 1:18
